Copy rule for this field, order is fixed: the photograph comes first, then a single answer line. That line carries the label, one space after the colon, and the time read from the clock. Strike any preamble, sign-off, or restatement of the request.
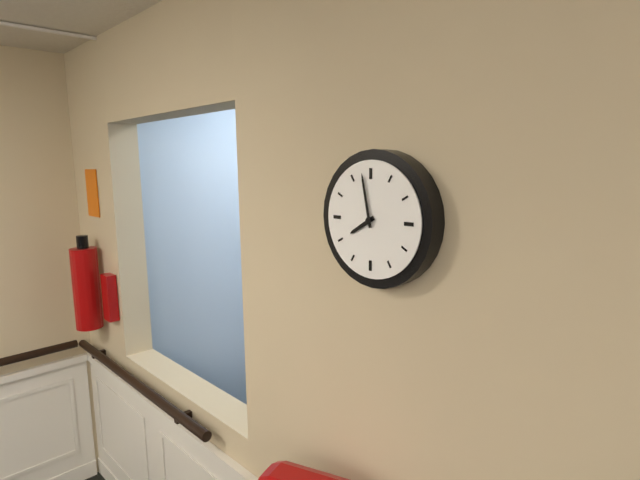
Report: 7:58
